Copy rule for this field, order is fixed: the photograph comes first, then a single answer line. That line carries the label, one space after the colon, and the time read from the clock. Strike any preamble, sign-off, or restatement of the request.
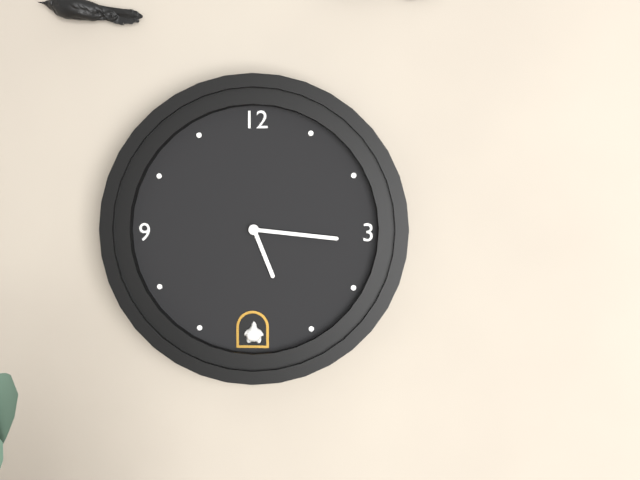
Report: 5:16
